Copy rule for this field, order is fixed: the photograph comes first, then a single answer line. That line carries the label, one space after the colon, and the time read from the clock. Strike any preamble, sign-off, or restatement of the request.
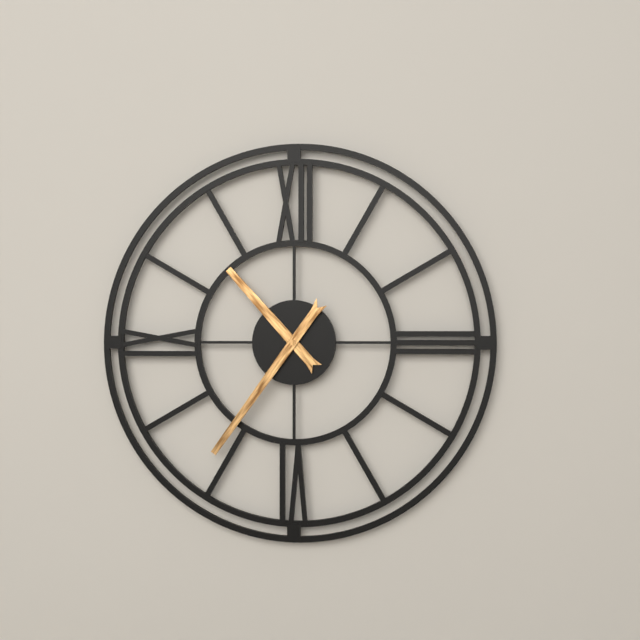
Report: 10:36
